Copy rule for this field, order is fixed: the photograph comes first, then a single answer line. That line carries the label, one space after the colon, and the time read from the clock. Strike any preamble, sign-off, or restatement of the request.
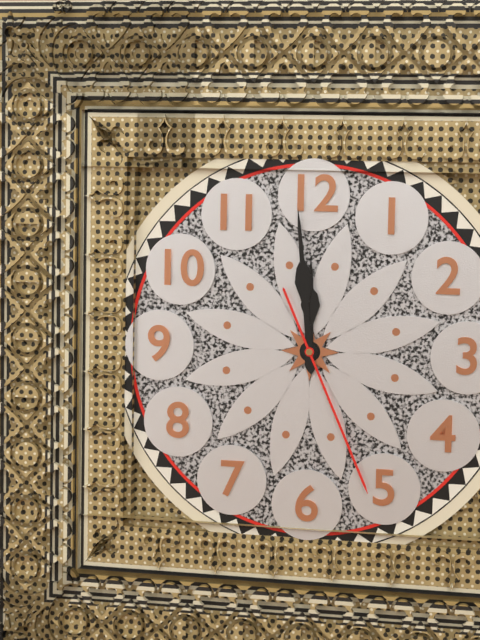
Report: 11:59:26
